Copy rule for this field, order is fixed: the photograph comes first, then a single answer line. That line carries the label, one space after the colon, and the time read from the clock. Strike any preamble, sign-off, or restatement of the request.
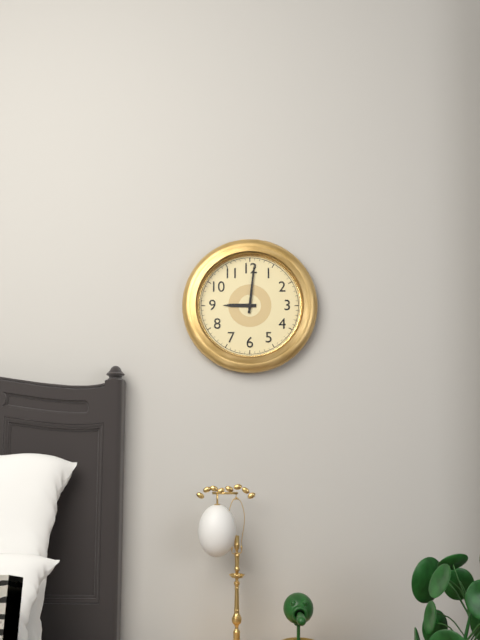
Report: 9:01
